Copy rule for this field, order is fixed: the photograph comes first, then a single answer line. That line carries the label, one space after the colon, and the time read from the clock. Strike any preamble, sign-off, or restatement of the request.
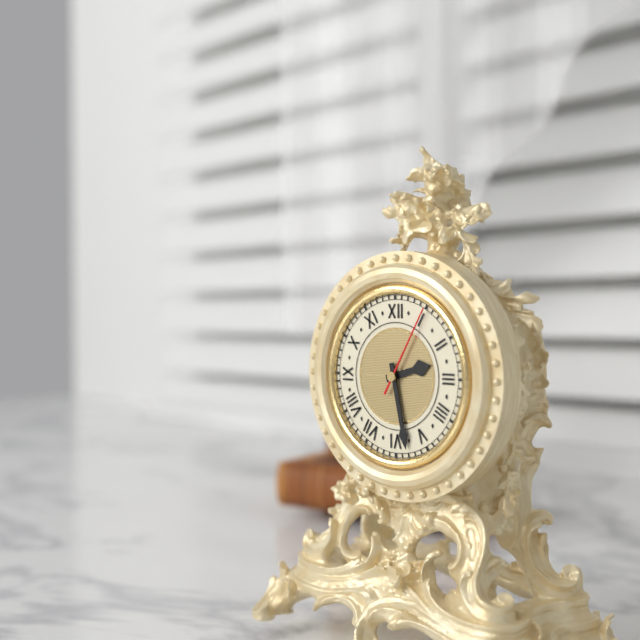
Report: 2:28:05
